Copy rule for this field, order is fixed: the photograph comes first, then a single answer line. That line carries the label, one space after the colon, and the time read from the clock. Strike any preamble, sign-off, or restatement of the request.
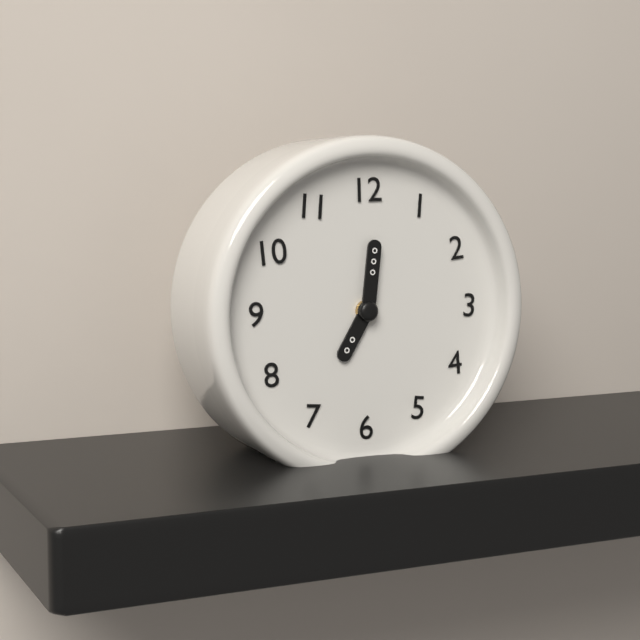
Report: 7:01
